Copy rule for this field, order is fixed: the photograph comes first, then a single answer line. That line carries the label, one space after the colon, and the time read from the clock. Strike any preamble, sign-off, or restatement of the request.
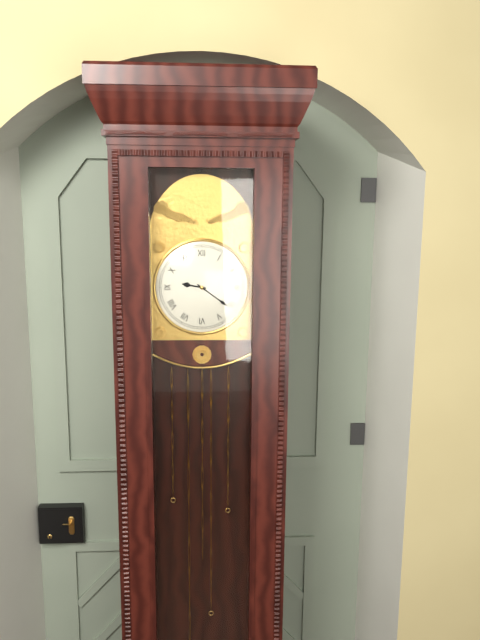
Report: 9:21
